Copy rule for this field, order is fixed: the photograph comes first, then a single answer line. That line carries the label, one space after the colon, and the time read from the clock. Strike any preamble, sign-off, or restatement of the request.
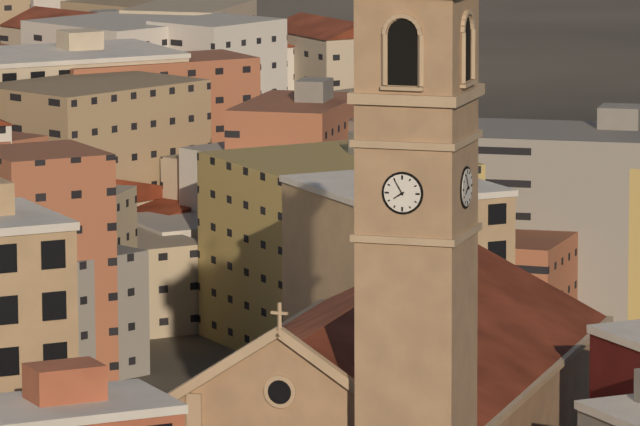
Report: 7:55
